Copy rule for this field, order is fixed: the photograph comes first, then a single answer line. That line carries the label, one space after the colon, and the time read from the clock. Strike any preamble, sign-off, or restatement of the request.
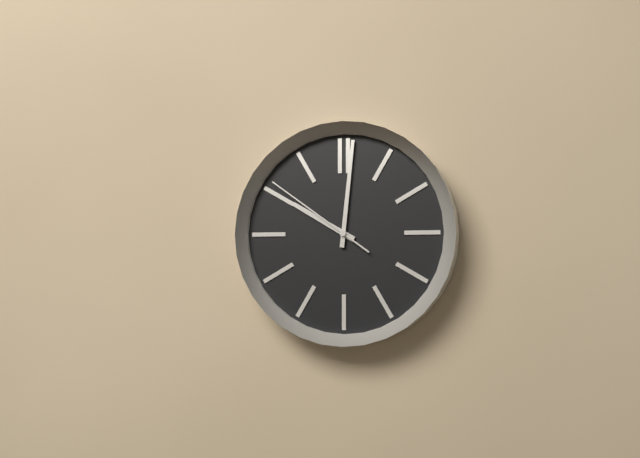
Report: 10:01:51
